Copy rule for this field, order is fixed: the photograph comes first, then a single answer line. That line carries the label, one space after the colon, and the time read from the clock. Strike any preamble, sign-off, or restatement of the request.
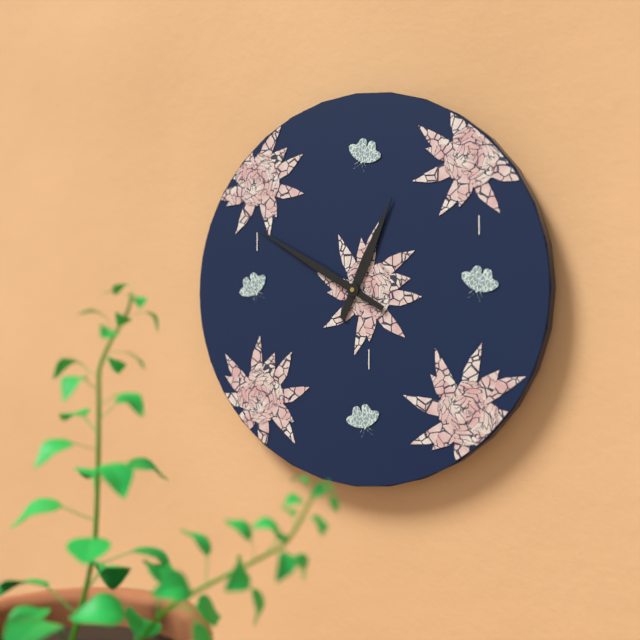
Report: 12:50
